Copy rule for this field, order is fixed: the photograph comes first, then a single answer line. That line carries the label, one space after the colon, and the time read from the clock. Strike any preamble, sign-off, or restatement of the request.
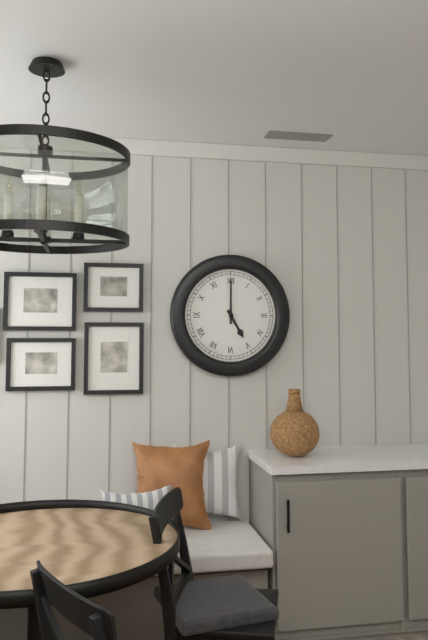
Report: 5:00
